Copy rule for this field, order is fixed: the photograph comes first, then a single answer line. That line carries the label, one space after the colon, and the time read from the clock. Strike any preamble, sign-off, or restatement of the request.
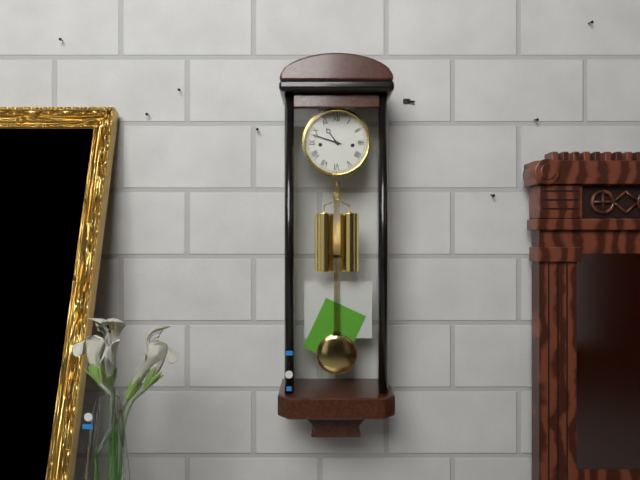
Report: 10:48
